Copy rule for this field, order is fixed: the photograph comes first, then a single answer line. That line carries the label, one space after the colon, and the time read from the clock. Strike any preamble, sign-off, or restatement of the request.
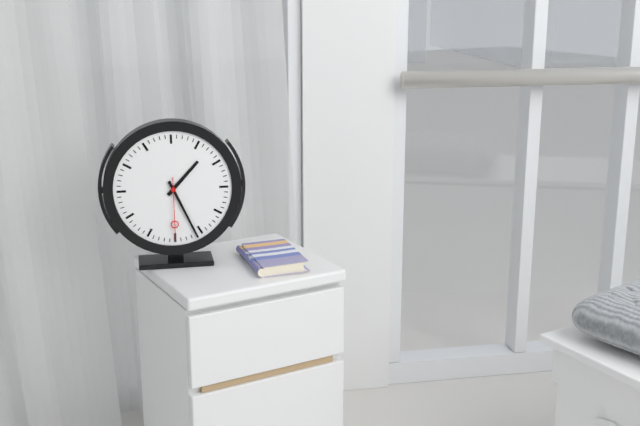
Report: 1:26:30
